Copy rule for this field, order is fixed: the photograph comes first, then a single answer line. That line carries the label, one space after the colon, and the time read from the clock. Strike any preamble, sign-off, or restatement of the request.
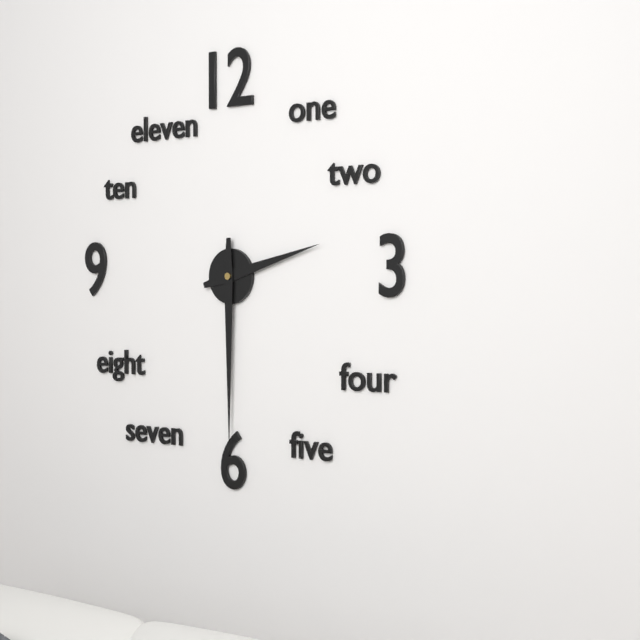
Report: 2:30
